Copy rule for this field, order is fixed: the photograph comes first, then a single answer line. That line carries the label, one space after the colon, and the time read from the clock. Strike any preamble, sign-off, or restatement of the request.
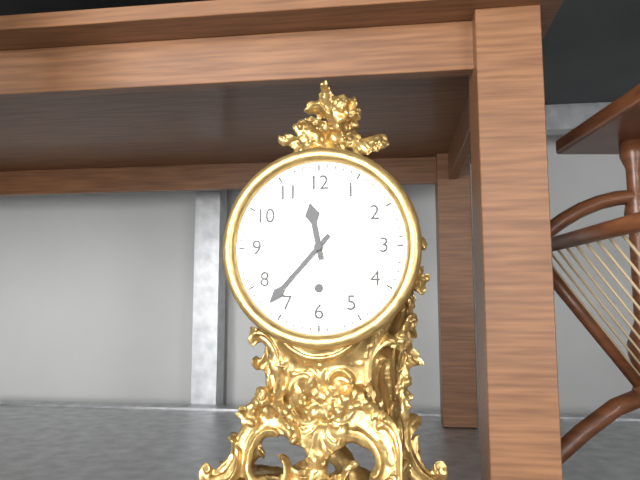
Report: 11:37
